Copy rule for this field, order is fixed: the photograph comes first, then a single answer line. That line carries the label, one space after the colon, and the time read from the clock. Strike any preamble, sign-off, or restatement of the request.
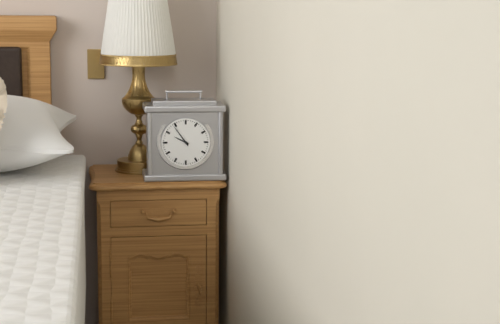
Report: 9:54
